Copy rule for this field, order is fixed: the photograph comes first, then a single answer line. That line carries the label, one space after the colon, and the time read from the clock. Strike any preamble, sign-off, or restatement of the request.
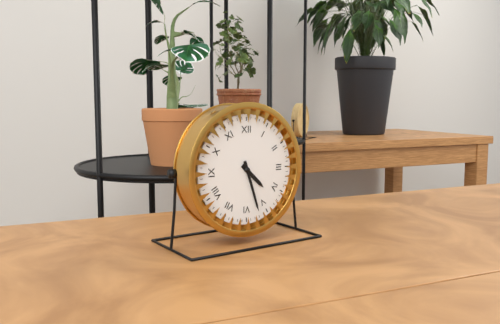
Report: 4:27
